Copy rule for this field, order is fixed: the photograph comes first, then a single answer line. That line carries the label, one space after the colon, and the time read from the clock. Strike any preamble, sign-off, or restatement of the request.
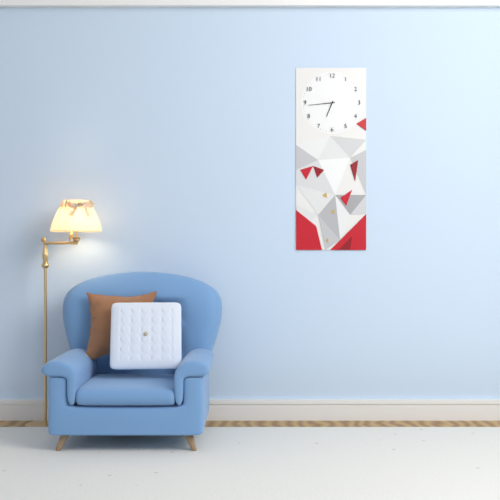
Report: 6:44
